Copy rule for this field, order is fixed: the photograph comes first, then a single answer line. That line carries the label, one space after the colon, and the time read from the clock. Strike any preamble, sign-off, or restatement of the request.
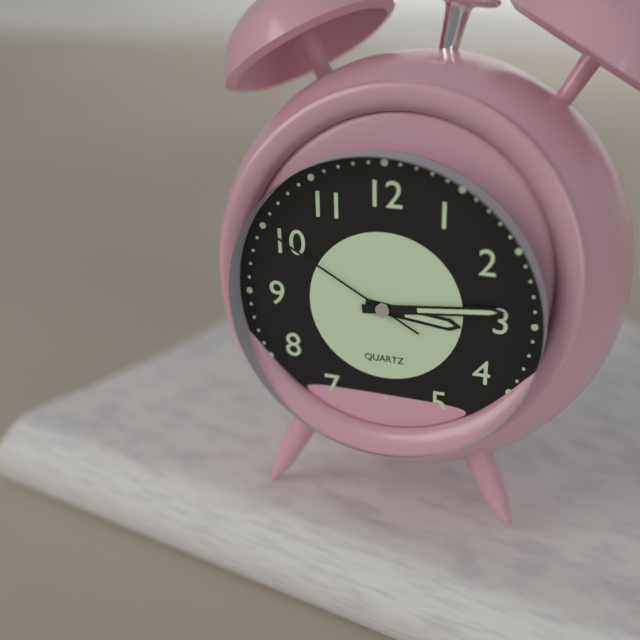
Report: 3:14:50
